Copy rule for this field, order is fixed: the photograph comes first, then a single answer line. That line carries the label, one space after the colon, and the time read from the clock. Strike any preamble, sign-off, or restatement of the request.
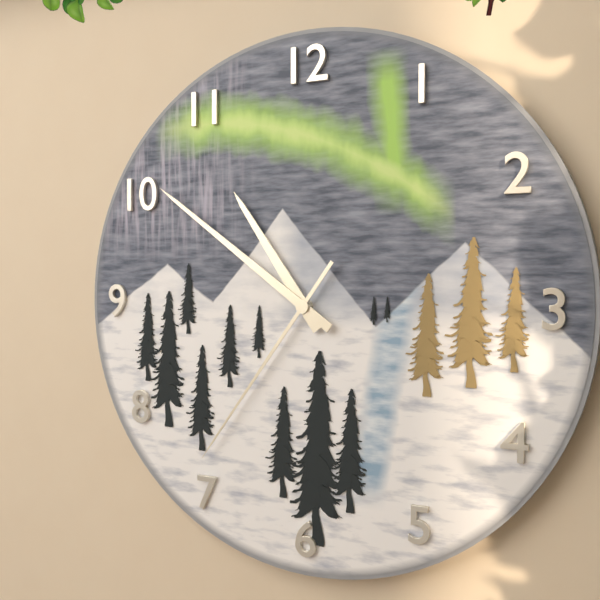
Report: 10:51:36
